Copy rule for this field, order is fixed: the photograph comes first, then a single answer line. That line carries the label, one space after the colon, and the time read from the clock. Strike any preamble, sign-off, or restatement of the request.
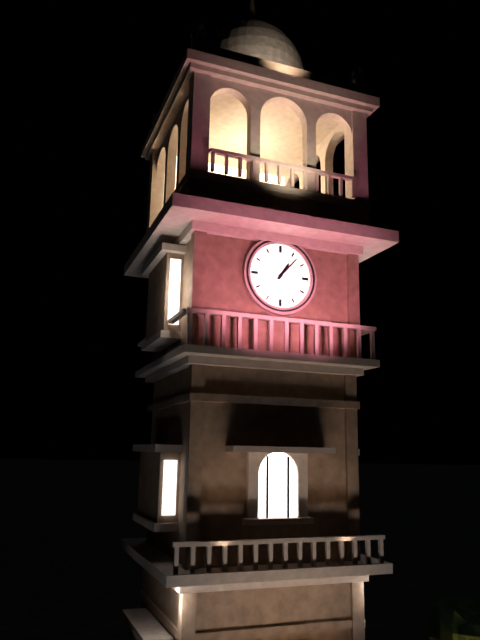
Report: 1:07
